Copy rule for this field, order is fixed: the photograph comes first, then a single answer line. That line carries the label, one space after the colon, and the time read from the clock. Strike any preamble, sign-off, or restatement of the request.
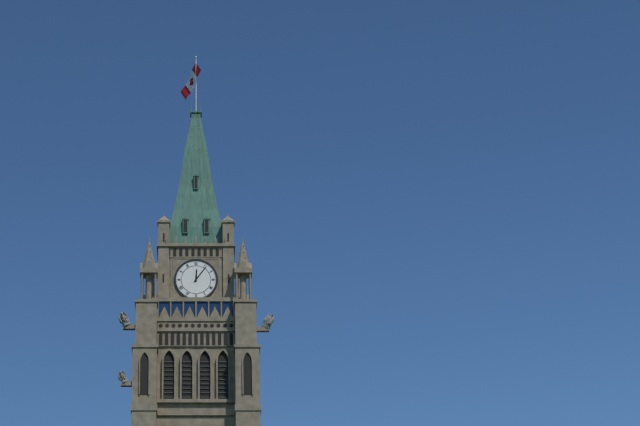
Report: 12:06
